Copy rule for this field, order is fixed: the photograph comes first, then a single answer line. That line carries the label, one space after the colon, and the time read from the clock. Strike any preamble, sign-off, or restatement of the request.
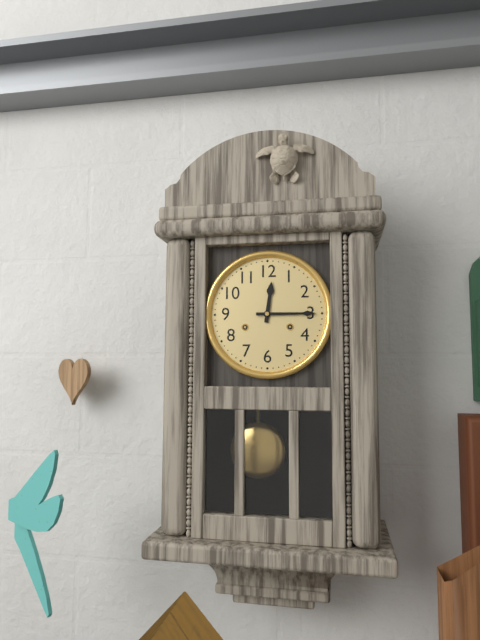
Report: 12:15
